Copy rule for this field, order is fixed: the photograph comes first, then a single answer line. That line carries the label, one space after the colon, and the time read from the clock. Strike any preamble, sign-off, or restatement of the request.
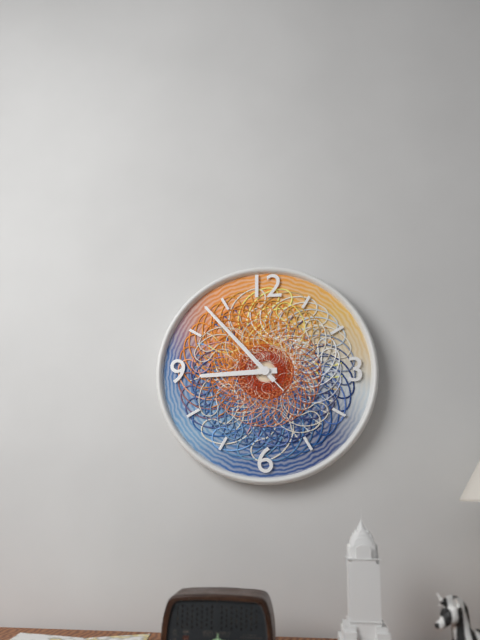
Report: 8:53:53
